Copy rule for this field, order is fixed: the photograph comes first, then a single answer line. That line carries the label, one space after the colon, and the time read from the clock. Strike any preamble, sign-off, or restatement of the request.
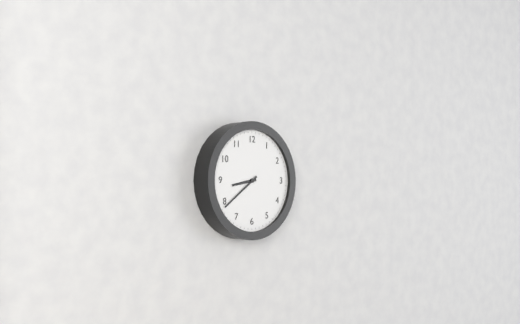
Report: 8:39
